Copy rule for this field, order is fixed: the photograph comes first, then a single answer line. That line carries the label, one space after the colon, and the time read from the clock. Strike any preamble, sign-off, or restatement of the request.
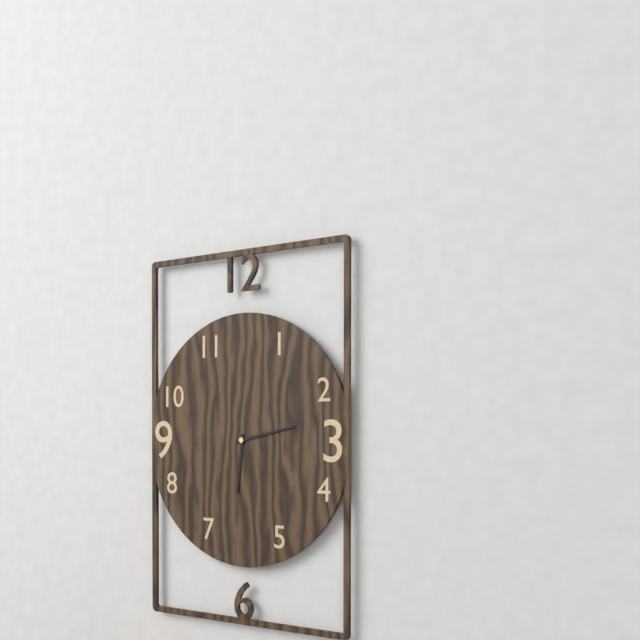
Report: 6:13
